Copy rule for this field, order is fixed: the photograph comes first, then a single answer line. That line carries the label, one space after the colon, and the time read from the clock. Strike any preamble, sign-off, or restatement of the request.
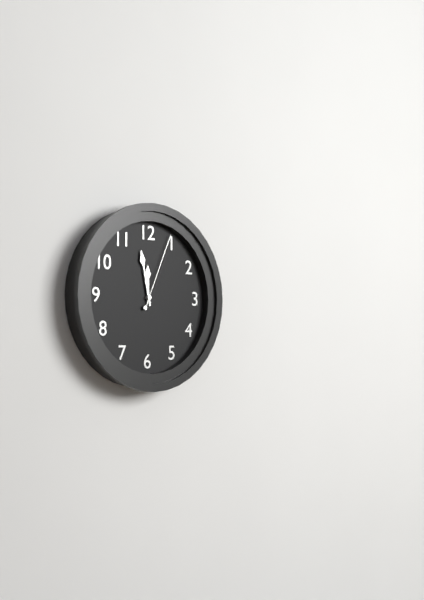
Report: 11:58:04
